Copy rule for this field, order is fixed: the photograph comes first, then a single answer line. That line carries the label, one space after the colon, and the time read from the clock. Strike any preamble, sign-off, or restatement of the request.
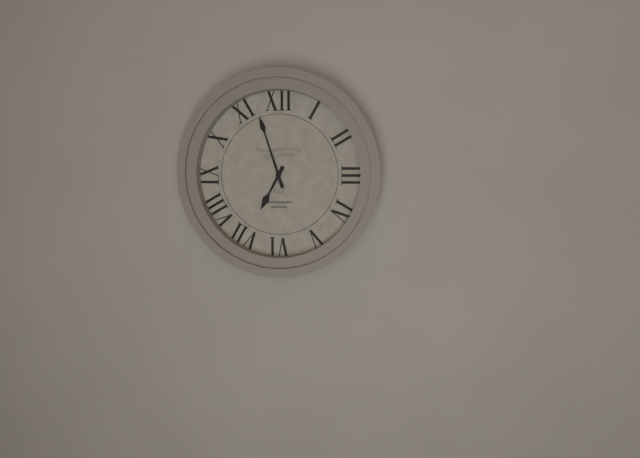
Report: 6:57
